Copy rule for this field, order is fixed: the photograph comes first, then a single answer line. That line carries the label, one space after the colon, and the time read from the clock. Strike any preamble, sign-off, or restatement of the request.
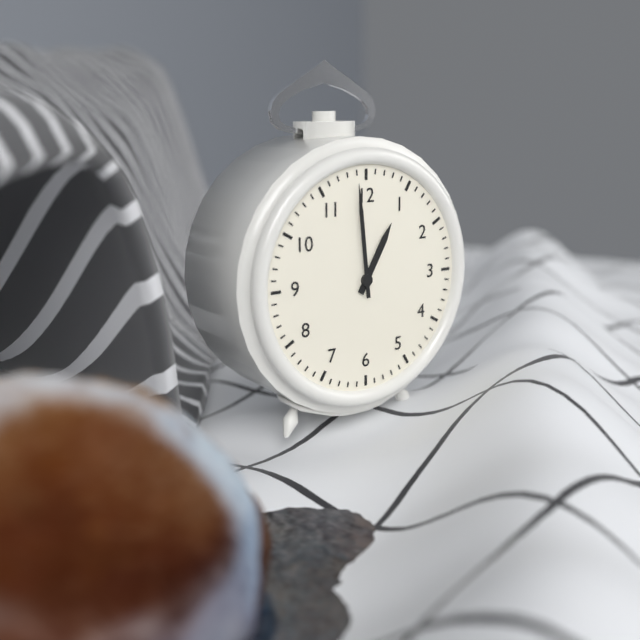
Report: 12:59
